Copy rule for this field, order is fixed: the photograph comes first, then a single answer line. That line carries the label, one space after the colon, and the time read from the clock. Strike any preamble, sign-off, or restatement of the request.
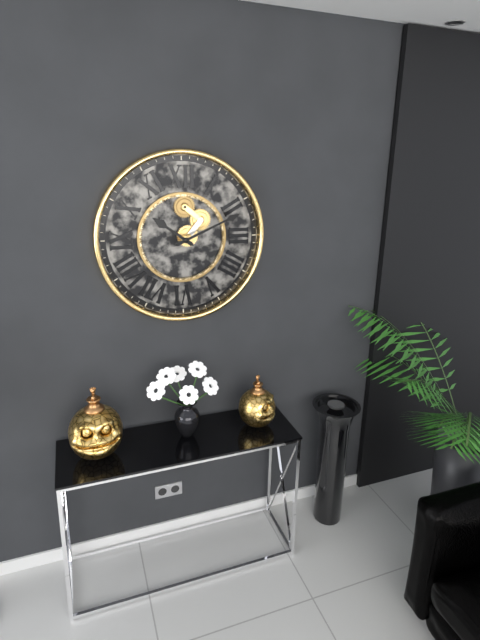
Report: 10:11
